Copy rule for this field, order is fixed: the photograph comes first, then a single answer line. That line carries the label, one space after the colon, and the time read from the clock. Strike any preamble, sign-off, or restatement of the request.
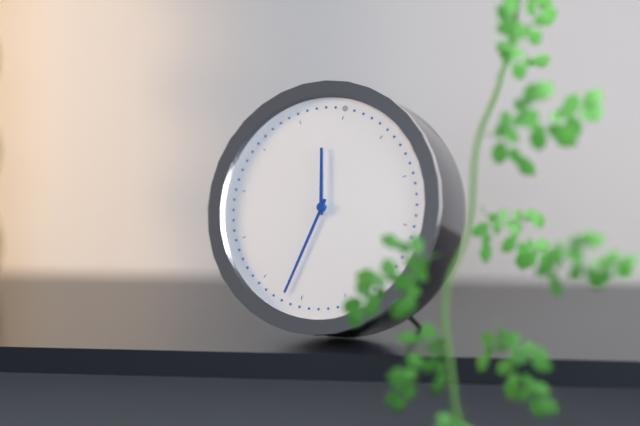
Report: 11:32
